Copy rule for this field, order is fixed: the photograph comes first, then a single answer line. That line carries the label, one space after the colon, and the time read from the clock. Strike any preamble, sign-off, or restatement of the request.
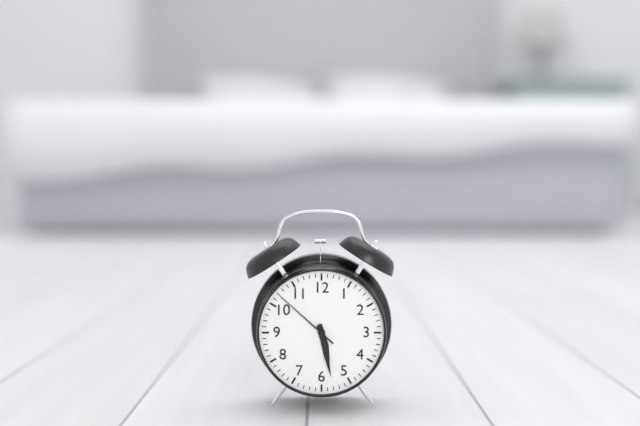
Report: 5:28:52
